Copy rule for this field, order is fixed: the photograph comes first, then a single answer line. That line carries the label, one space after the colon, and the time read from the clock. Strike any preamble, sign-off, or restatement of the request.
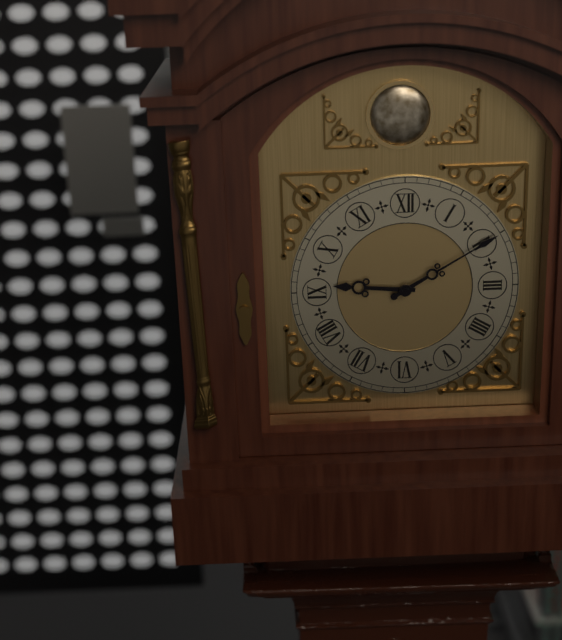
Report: 9:10
